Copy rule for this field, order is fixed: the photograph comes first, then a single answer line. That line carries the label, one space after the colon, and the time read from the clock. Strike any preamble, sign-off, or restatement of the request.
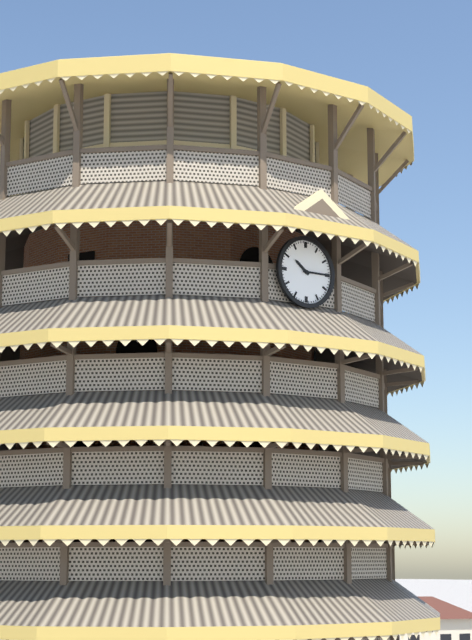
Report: 10:15
